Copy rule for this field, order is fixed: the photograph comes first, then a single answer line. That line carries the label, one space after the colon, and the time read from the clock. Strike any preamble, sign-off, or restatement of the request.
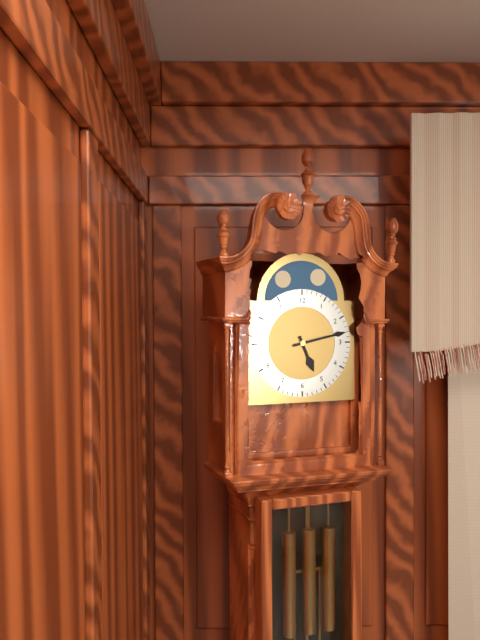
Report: 5:13
